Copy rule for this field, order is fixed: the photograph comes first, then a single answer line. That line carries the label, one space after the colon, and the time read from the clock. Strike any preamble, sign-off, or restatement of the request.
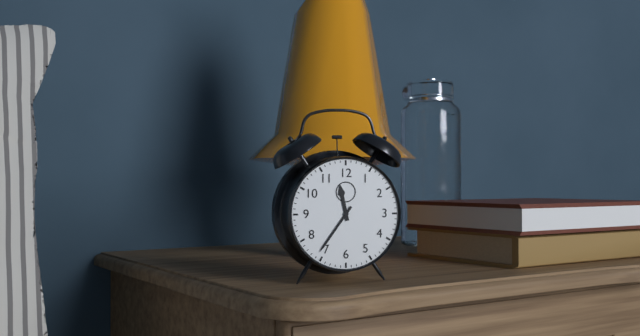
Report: 11:36
